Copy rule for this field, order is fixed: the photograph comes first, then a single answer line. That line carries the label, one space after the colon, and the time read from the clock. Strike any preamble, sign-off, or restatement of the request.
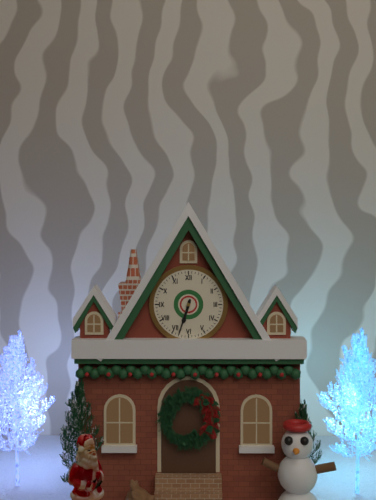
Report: 6:33
